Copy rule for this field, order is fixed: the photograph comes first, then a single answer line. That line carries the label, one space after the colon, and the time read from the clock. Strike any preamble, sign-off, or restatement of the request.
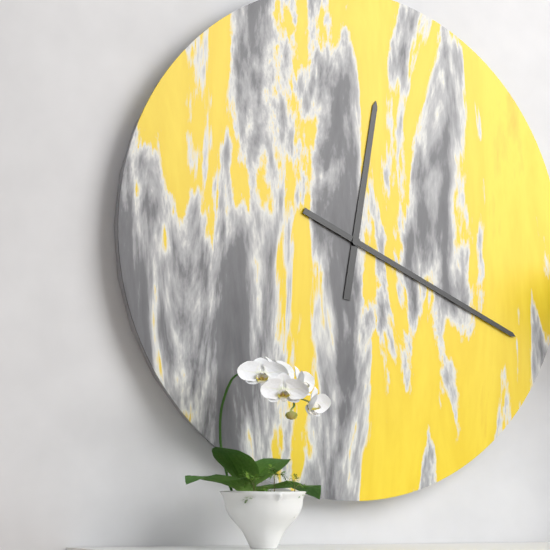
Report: 12:19
